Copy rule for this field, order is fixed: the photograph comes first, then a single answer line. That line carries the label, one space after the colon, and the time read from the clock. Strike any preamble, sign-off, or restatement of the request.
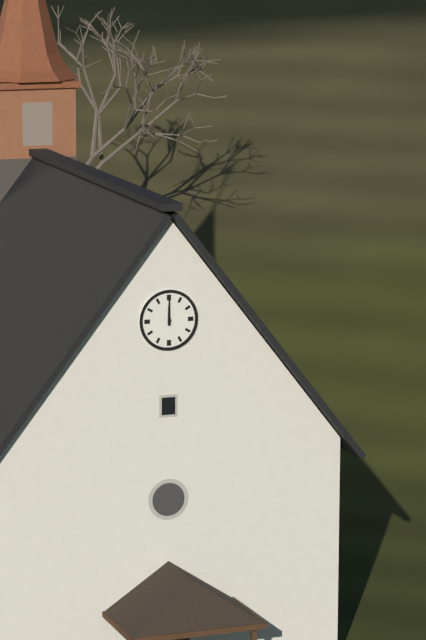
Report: 12:00
